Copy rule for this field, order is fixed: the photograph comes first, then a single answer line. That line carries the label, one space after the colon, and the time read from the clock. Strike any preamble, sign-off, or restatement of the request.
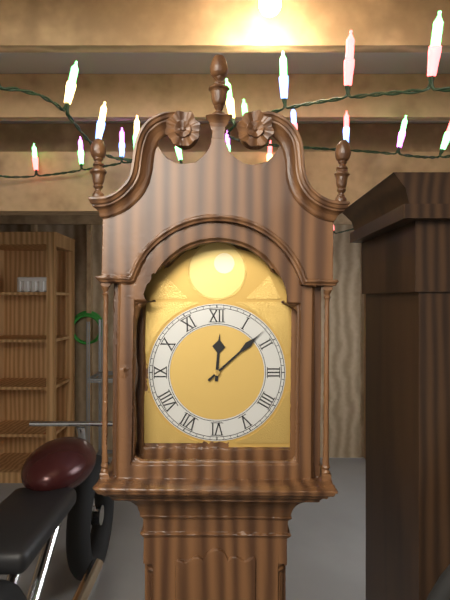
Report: 12:08
